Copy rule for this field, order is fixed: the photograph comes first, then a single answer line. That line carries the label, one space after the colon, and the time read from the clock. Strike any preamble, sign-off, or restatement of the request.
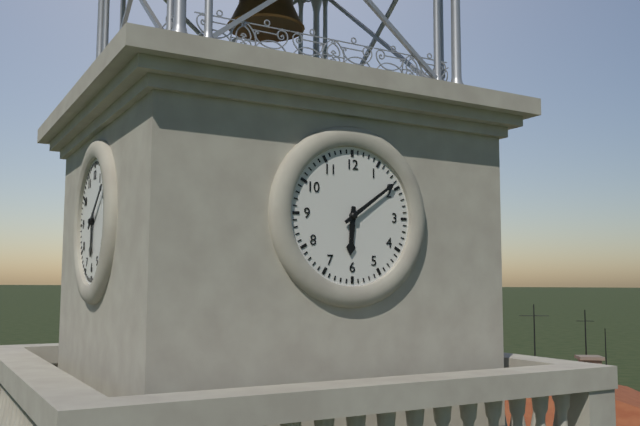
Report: 6:09
